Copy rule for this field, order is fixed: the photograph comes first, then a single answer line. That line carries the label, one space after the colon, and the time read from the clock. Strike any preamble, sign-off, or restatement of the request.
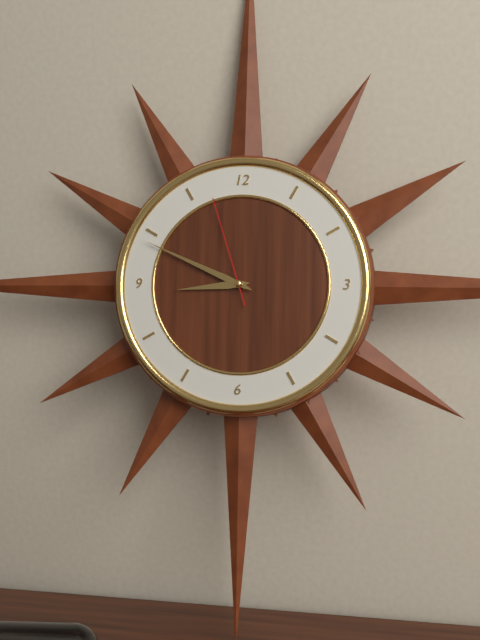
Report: 8:49:57
